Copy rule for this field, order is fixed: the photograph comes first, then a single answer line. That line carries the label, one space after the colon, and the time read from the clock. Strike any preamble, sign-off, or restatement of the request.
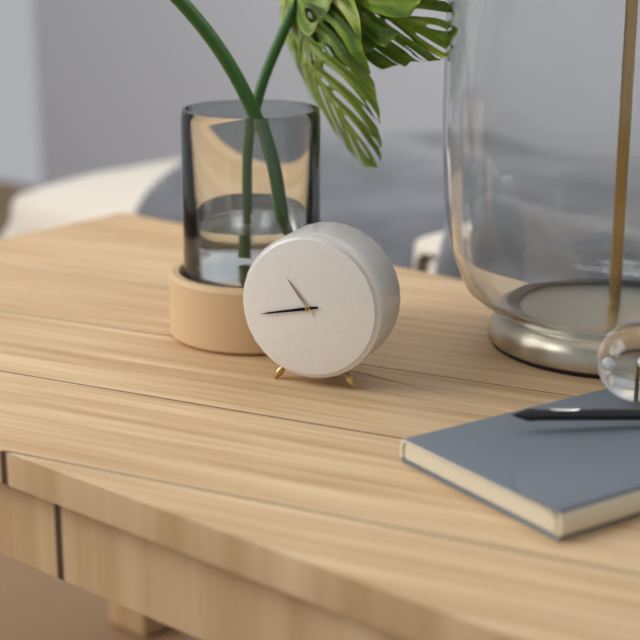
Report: 10:43
